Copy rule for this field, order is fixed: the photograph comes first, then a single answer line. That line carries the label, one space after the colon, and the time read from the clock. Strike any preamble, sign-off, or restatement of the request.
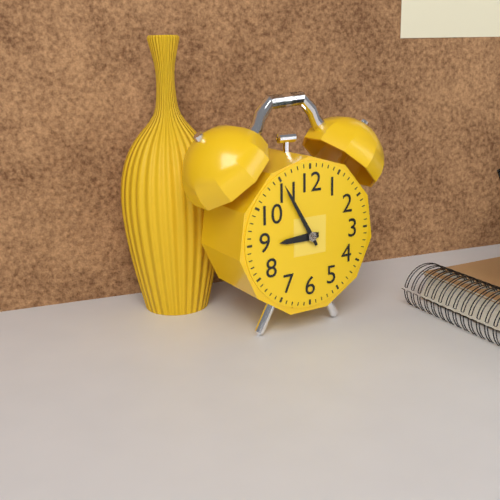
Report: 8:55
